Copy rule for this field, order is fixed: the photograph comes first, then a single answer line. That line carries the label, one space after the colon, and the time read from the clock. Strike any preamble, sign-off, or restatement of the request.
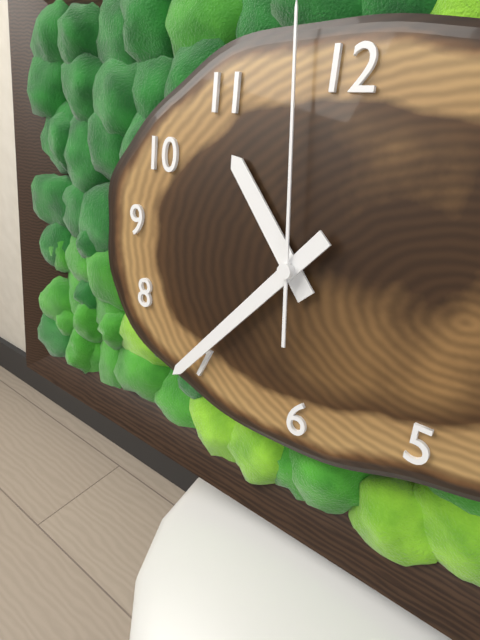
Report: 10:37
